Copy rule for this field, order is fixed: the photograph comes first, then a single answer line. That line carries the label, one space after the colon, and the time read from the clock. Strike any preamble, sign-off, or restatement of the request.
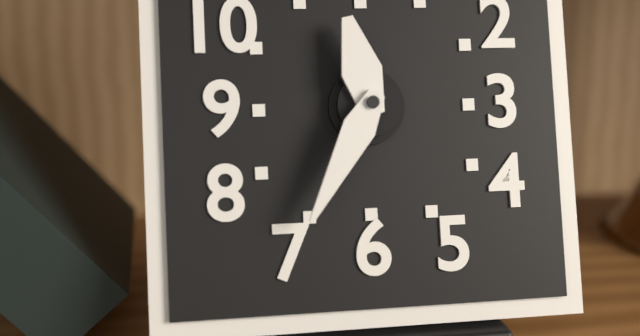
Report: 11:35
